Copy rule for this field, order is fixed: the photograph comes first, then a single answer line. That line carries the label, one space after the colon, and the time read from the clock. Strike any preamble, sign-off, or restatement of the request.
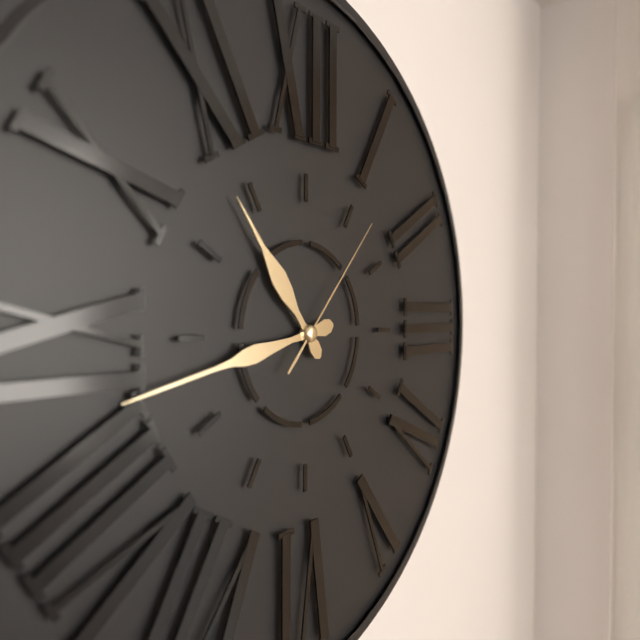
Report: 10:43:07
